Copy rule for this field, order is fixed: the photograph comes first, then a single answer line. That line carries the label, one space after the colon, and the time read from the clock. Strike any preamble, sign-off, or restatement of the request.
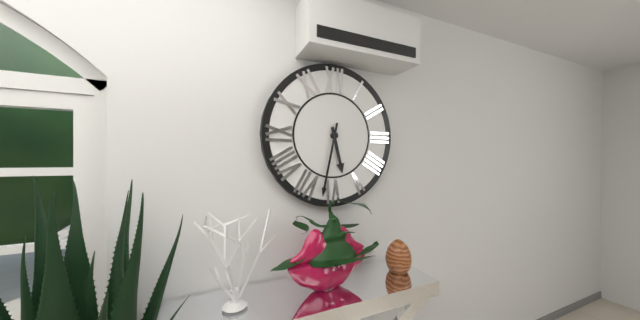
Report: 5:32
